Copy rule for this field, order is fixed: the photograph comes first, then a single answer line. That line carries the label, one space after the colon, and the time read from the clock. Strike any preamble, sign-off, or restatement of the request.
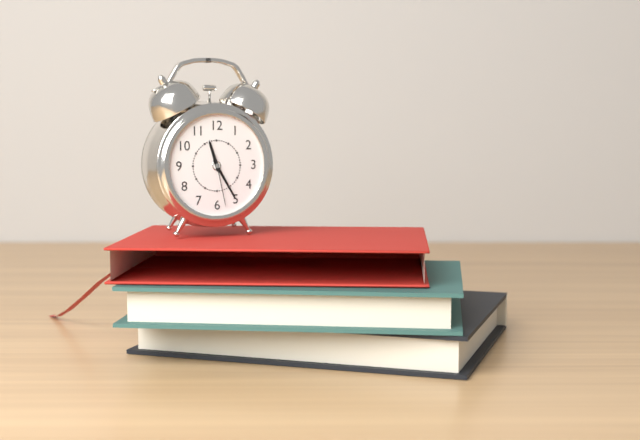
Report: 11:25:28
